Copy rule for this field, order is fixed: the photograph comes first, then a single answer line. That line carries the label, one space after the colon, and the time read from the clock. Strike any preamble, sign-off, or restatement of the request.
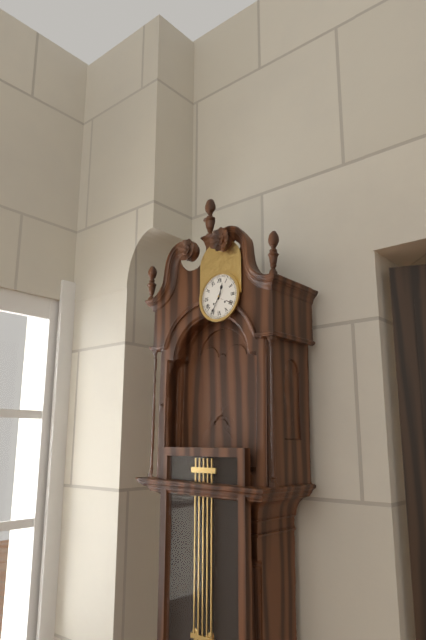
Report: 12:35
